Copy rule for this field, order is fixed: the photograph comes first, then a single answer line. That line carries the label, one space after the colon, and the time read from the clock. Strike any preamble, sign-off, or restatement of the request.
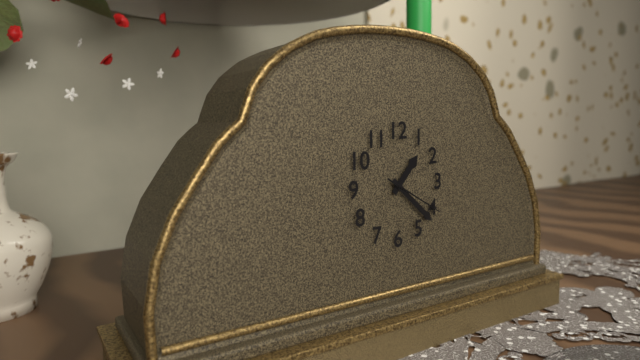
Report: 1:22:20
